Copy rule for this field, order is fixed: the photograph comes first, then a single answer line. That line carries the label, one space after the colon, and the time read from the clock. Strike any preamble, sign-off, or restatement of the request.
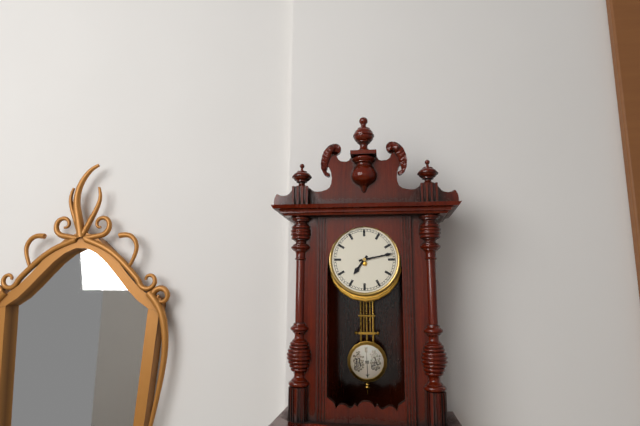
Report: 7:13
